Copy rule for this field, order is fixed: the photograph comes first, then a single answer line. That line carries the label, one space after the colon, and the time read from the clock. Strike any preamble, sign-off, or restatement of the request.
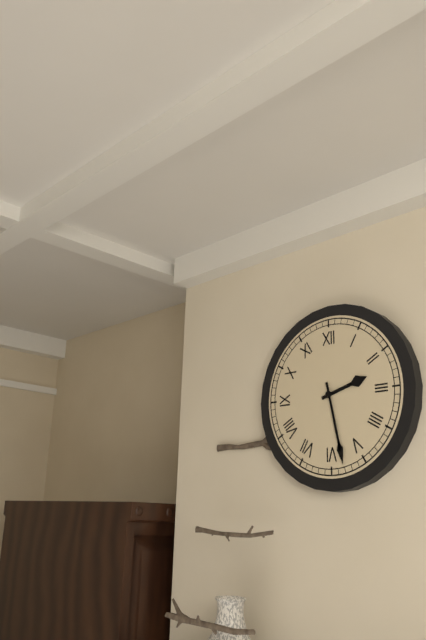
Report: 2:28
